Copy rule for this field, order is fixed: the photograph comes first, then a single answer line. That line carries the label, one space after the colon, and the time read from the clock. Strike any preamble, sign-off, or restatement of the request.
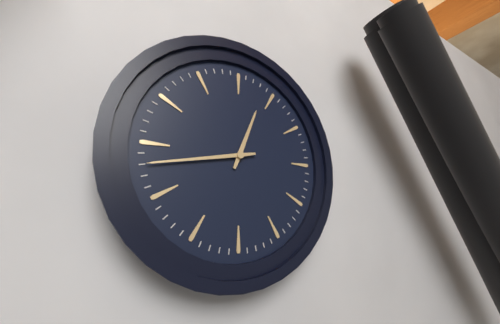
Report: 12:43
